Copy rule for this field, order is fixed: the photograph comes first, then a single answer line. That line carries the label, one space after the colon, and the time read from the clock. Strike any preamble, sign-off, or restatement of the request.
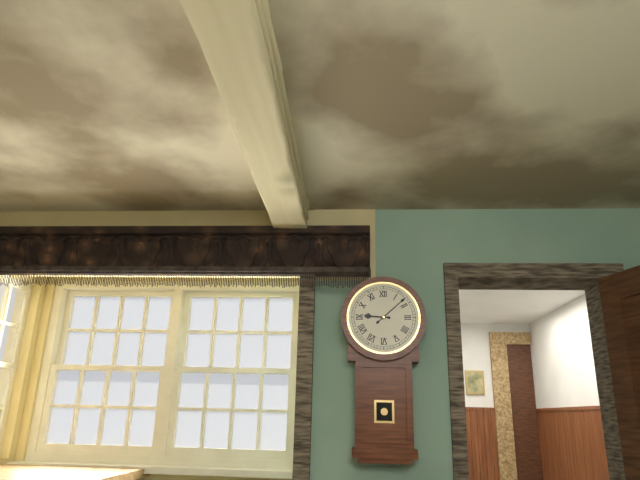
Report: 9:08
